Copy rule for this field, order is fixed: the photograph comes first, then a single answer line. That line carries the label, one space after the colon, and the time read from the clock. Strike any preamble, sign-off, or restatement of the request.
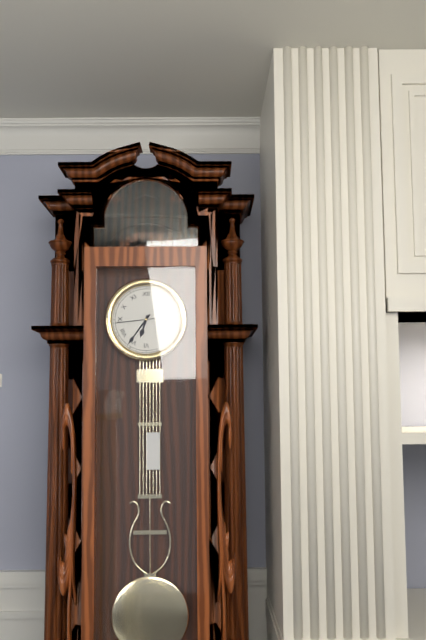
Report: 6:36
